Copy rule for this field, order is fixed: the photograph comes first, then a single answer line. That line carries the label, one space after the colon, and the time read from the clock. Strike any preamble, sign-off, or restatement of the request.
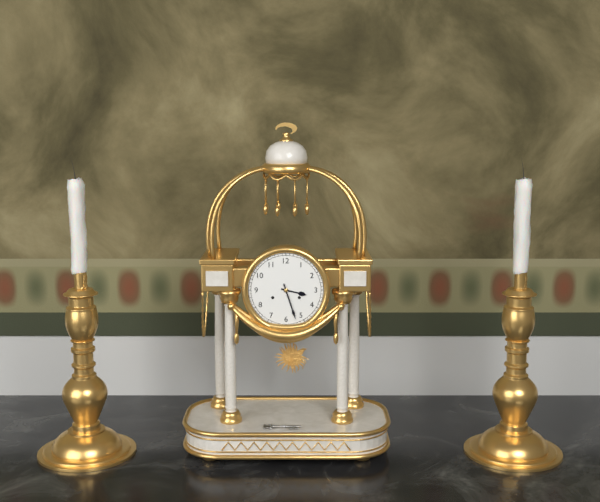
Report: 3:27
